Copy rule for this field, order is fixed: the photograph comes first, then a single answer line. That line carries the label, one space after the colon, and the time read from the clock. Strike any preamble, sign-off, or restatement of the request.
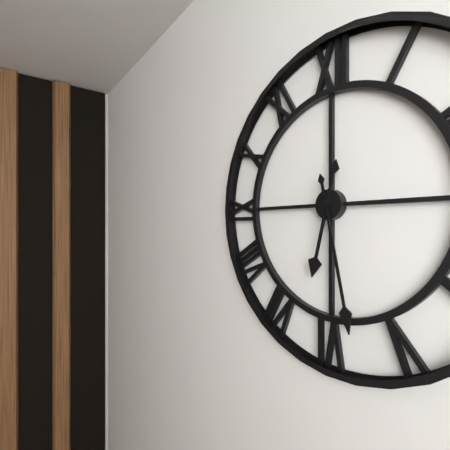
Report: 6:28
